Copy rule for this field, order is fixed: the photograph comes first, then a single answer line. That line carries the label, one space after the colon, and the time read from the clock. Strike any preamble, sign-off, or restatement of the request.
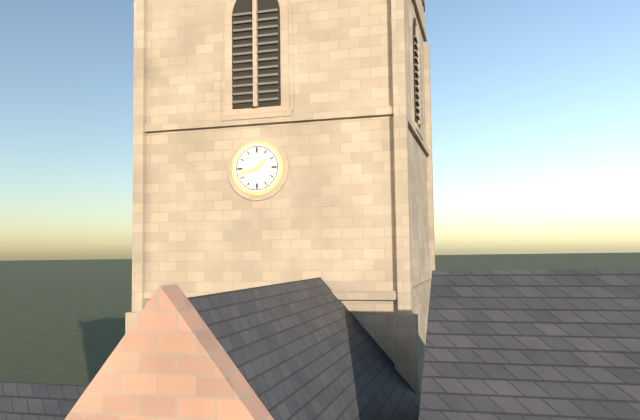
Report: 1:42
